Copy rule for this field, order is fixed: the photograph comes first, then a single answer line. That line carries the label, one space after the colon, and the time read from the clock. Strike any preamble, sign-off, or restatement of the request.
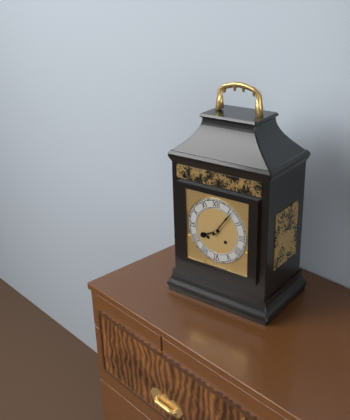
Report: 8:06
